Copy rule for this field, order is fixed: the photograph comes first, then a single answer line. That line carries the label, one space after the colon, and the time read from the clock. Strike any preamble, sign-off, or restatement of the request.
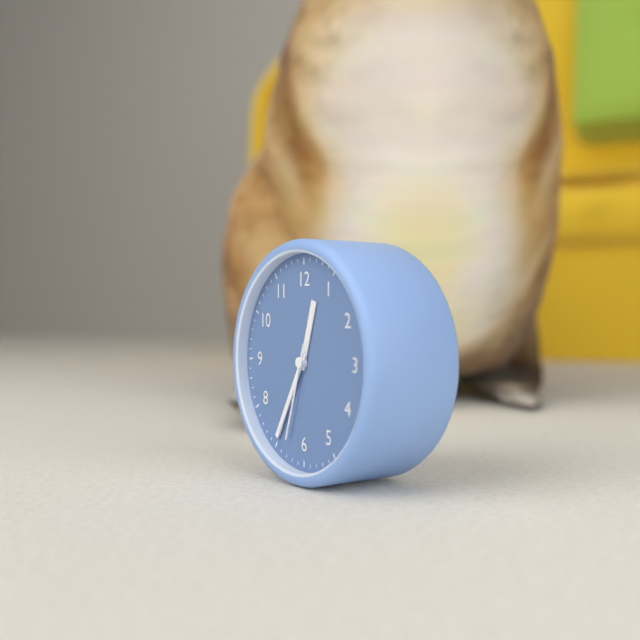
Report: 12:35:33
